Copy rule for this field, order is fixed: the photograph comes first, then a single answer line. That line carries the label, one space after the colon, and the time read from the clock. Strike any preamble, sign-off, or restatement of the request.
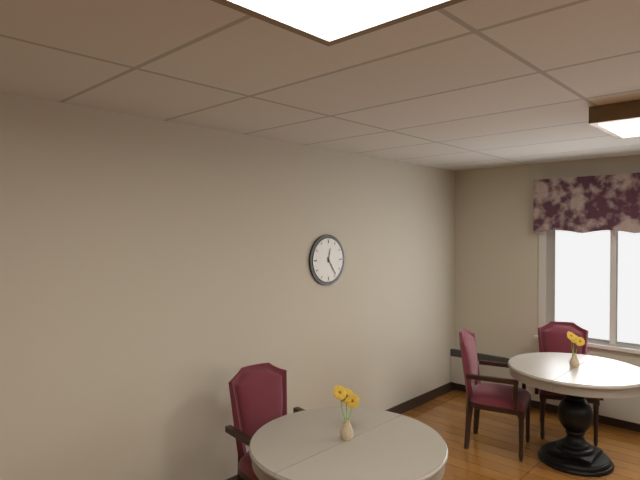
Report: 12:24
